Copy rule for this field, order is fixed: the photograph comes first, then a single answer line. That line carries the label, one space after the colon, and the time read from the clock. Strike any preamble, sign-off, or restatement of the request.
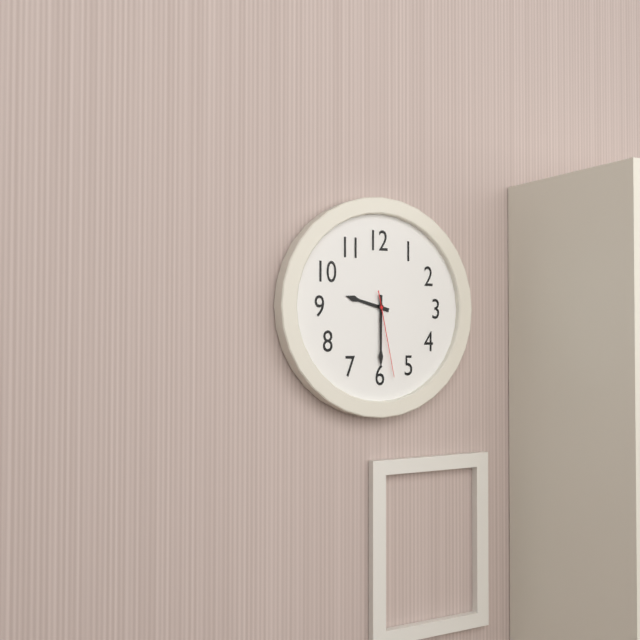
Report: 9:30:28
